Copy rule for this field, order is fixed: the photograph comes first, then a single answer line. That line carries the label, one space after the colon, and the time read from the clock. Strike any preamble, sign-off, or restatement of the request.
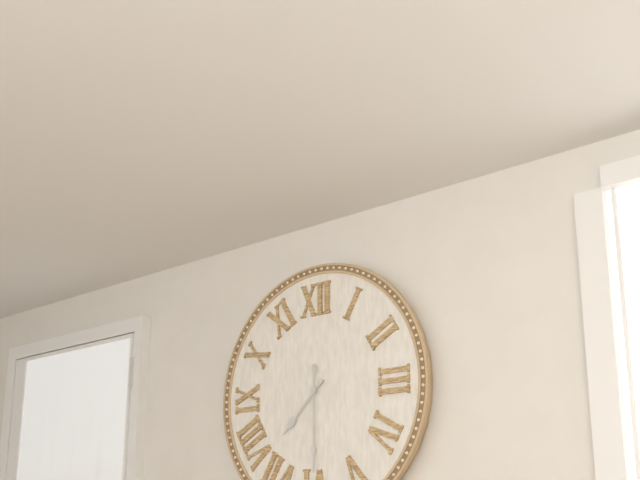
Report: 7:30
